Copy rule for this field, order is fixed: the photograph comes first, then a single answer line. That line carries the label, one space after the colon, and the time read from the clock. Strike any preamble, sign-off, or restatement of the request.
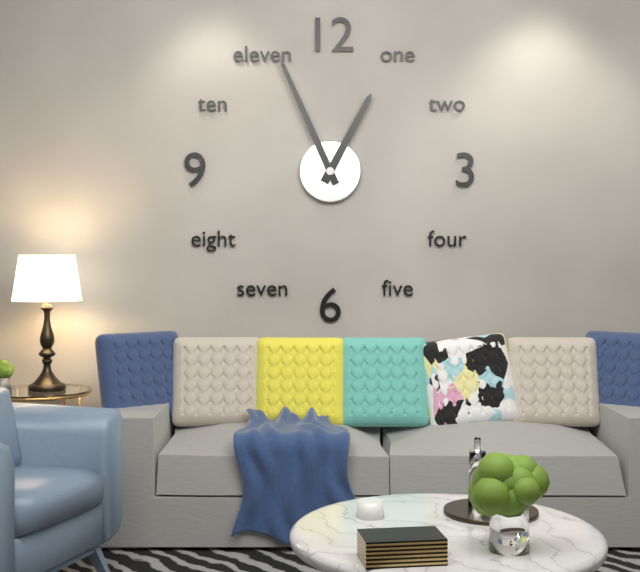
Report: 12:56
